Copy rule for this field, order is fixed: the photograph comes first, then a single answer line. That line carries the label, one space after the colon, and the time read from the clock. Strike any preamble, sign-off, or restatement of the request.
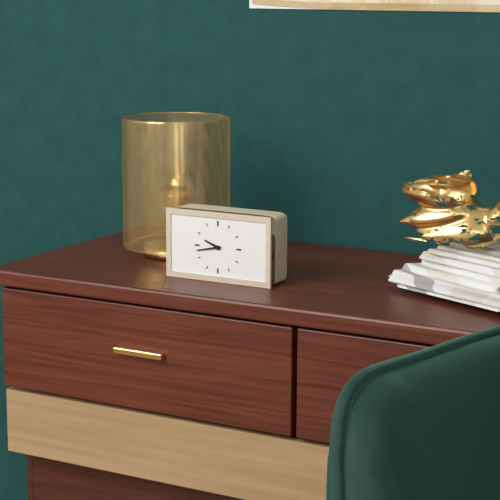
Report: 9:43
